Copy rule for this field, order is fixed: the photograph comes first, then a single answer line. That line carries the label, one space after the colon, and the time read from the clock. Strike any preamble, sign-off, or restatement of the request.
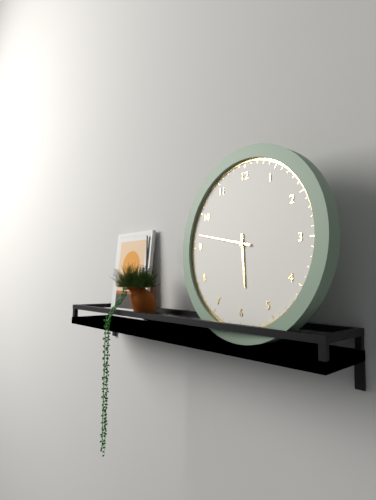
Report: 5:47
